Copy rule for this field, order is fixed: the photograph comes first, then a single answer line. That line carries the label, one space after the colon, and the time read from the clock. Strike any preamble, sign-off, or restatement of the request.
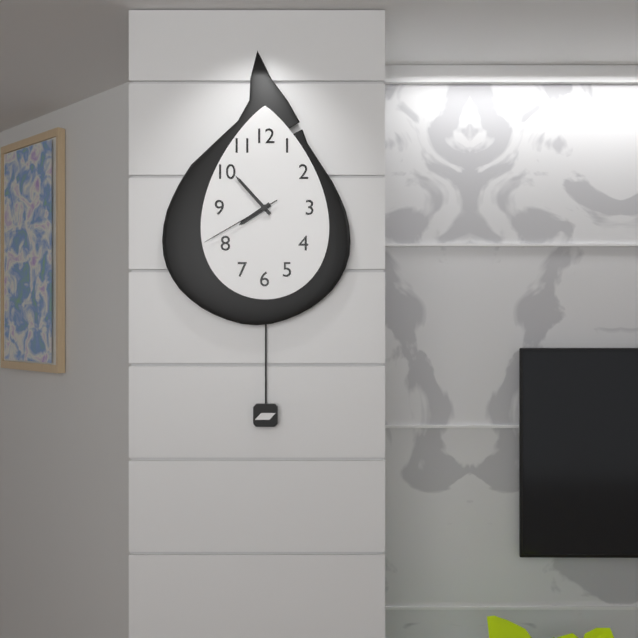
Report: 7:53:40
